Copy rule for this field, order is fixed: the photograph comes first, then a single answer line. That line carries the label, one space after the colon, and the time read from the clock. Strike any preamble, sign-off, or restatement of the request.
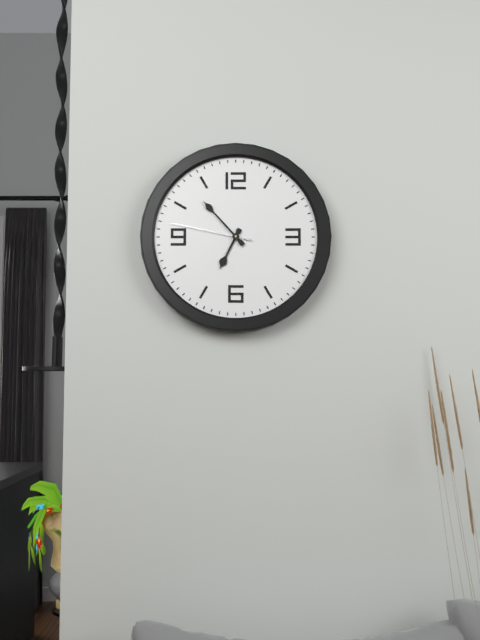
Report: 6:53:47
